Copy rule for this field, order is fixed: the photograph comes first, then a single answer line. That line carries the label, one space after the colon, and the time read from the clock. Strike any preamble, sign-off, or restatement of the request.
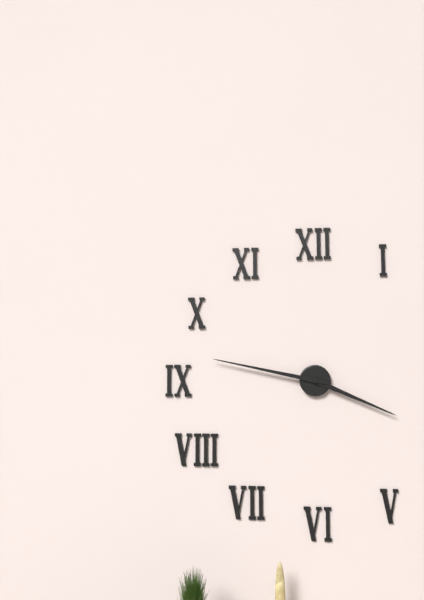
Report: 3:47
